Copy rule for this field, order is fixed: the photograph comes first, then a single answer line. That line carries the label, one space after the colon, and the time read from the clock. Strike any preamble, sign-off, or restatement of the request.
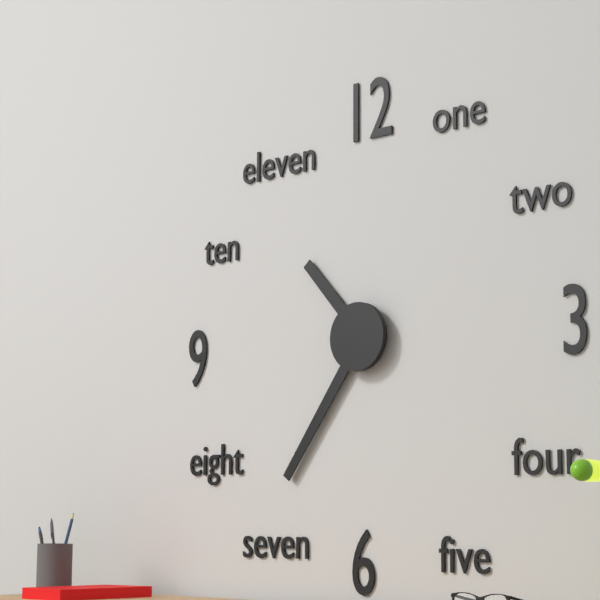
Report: 10:36
